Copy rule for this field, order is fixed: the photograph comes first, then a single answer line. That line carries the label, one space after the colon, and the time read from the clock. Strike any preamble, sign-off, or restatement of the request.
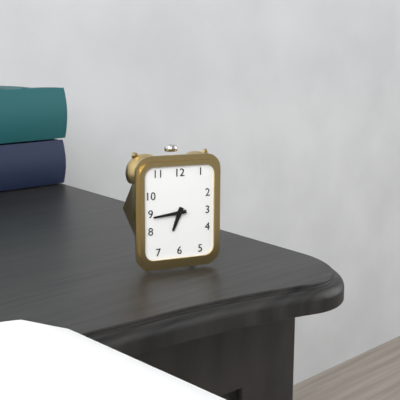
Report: 6:44
